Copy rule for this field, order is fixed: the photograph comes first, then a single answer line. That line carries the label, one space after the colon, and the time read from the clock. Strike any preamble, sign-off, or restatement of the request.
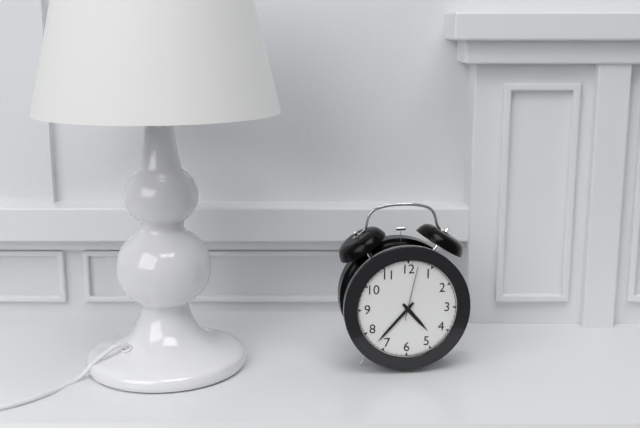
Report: 4:37:02
